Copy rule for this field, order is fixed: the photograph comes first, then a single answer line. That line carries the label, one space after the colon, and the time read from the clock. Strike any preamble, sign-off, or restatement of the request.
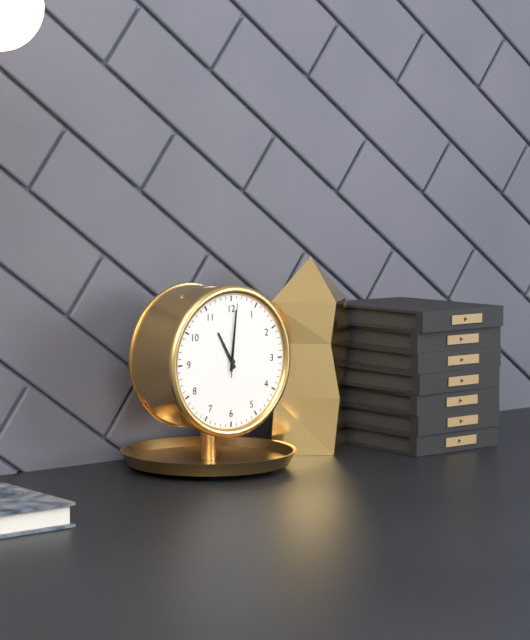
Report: 11:01:01
